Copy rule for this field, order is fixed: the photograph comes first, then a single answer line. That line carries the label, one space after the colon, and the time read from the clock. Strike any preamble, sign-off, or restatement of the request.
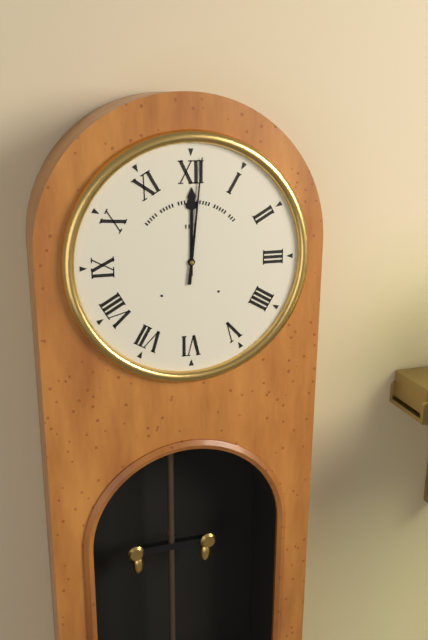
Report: 12:01
